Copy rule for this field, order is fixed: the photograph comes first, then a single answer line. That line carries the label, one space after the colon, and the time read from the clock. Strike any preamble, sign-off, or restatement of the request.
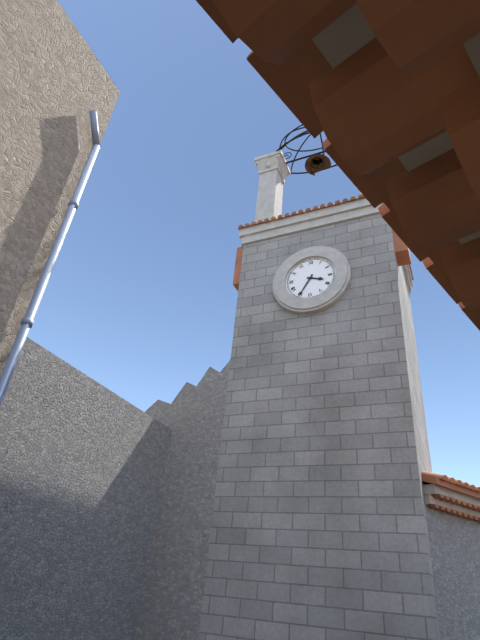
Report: 3:35
